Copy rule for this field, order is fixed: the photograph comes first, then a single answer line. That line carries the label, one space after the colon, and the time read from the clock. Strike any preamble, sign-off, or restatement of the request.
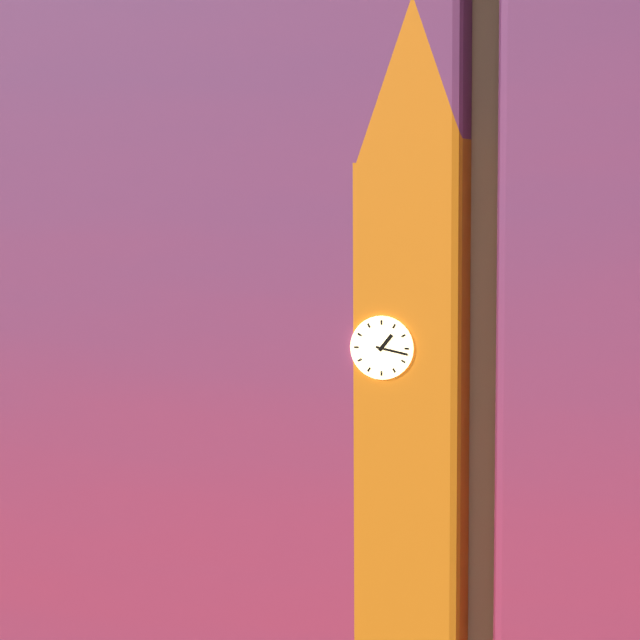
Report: 1:17
